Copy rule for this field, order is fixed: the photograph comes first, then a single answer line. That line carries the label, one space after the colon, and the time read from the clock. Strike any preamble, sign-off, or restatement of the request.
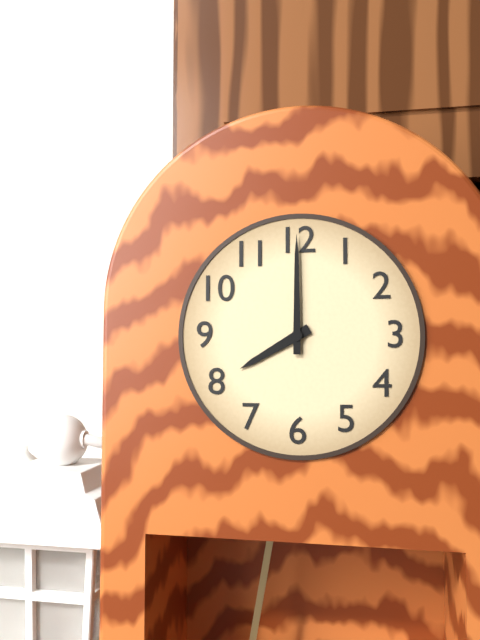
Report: 8:00
